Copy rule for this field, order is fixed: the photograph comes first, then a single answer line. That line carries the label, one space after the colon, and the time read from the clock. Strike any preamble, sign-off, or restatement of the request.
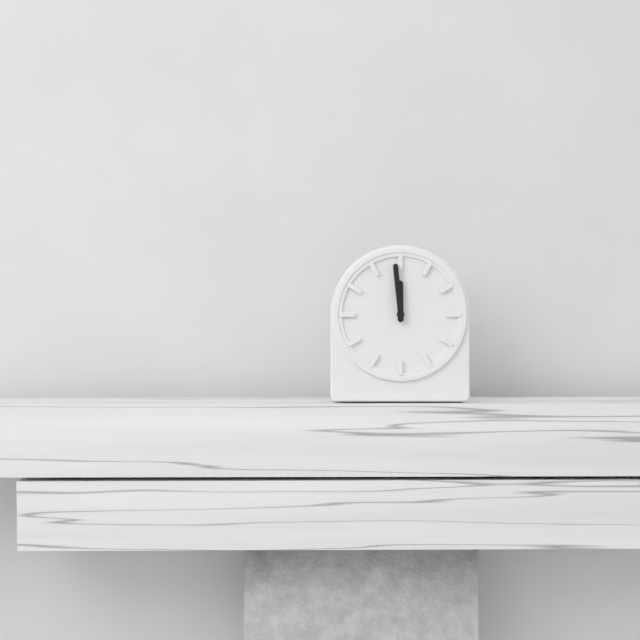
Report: 11:59
